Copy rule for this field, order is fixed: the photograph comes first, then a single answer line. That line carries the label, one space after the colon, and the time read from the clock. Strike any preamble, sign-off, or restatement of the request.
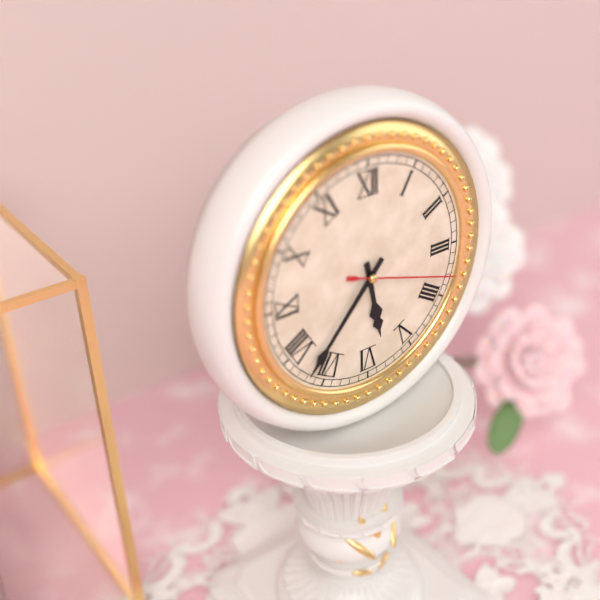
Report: 5:37:18
